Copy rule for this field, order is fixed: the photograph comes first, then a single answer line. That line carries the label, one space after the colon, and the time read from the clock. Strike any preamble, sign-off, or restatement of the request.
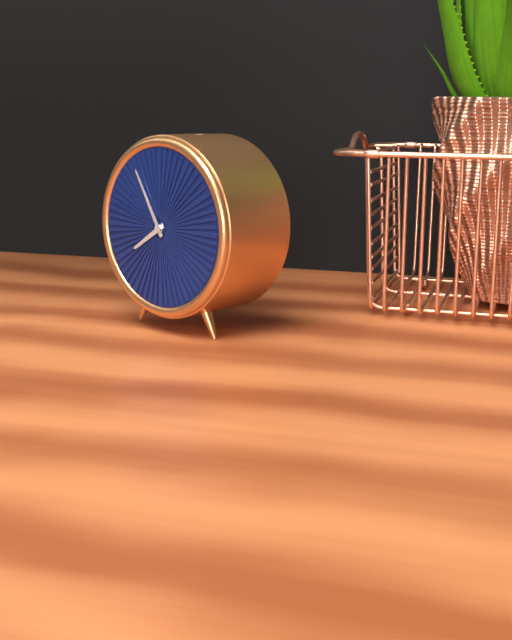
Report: 7:55
